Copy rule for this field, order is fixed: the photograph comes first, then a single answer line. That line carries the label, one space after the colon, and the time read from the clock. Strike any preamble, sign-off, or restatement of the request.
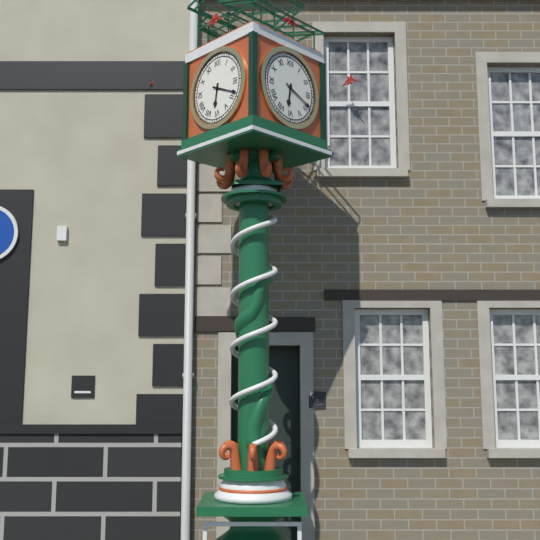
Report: 6:19
